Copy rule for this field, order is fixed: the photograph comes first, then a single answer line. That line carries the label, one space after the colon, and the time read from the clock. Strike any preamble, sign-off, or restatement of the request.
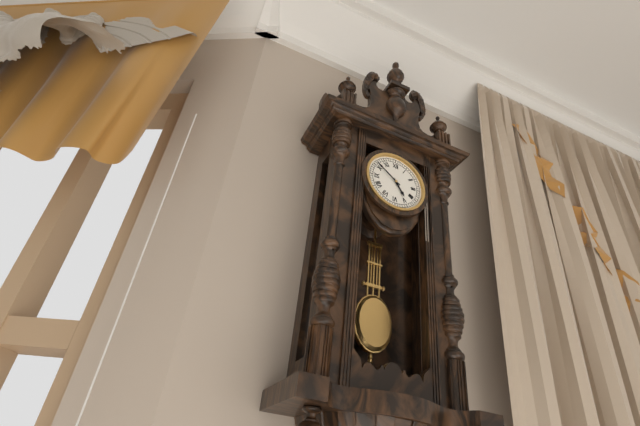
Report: 4:51
